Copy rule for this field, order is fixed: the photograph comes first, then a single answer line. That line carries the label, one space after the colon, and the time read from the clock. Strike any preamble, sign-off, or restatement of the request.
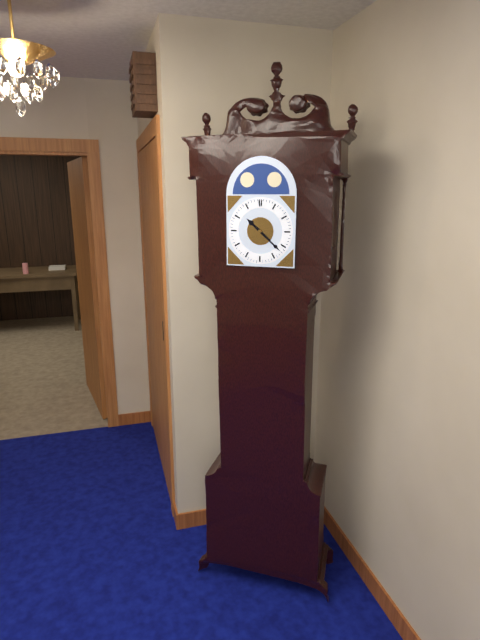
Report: 10:22
